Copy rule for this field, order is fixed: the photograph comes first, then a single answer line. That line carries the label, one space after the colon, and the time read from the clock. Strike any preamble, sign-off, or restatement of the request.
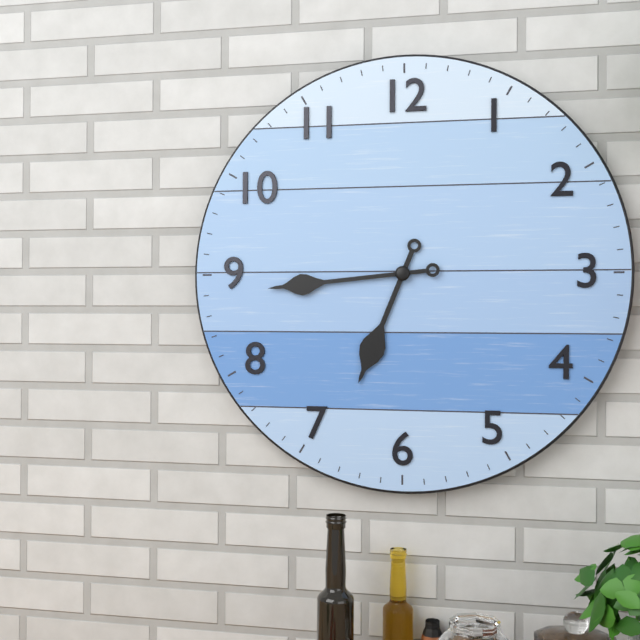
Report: 6:44
